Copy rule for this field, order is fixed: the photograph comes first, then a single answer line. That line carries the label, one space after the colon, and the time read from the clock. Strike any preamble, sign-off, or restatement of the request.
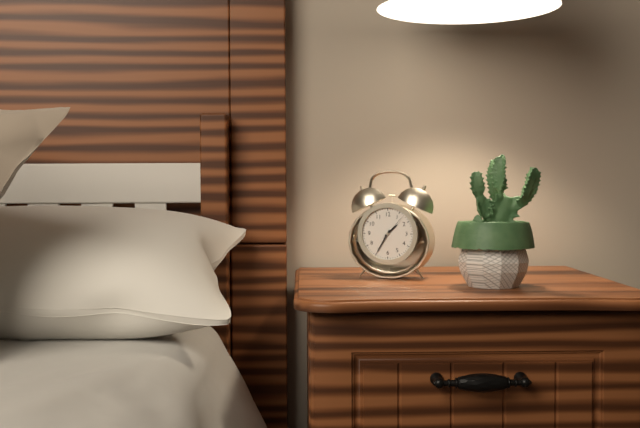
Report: 1:35
